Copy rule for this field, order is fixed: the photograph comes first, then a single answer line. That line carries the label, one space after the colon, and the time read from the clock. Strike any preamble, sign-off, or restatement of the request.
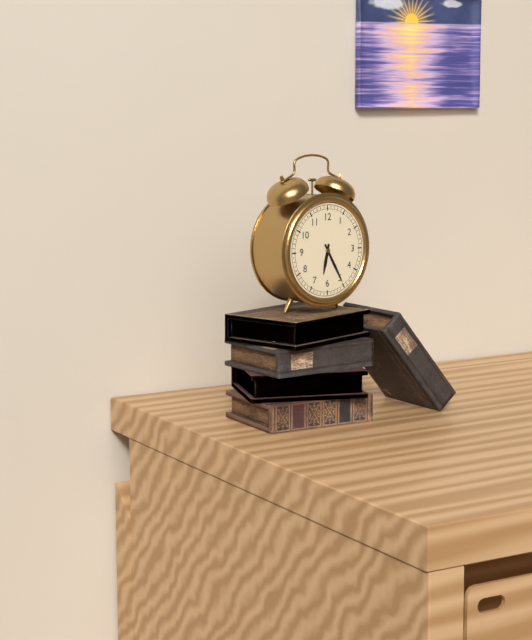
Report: 6:25
